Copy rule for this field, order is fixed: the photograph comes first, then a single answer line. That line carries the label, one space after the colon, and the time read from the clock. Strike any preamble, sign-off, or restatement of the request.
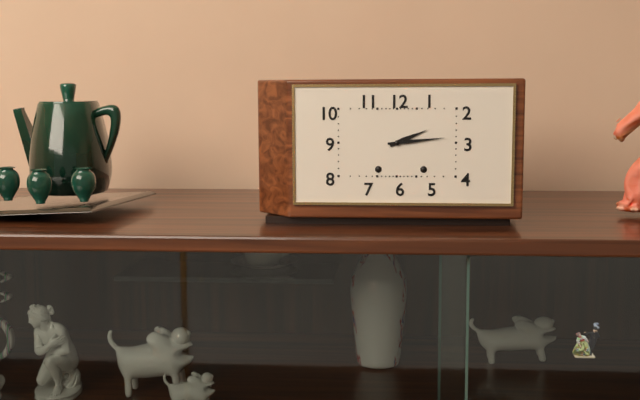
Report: 2:14
